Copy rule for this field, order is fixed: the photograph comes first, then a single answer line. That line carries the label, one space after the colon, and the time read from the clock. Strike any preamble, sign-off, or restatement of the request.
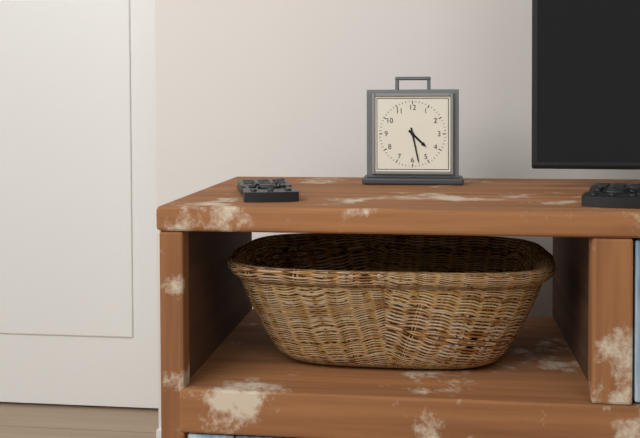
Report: 4:28
